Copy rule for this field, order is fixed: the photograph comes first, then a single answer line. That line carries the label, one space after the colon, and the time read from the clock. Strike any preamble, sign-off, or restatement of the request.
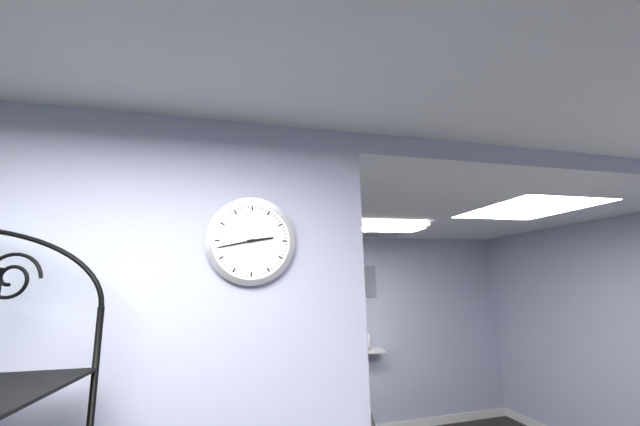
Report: 2:43
